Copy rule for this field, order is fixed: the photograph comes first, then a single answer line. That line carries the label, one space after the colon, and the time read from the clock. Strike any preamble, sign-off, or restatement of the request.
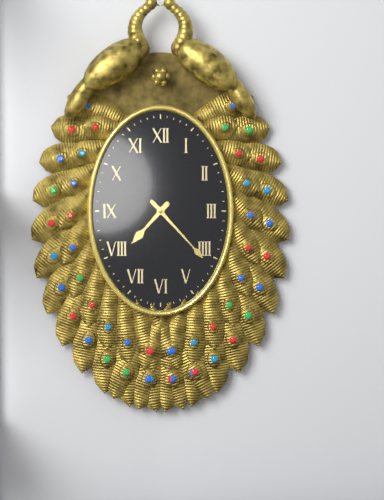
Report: 7:23
